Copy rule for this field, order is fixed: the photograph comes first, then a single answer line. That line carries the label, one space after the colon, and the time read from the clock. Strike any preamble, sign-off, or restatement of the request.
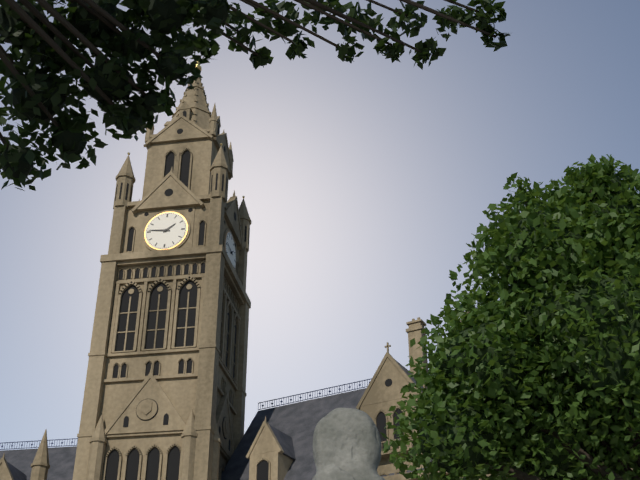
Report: 1:46
